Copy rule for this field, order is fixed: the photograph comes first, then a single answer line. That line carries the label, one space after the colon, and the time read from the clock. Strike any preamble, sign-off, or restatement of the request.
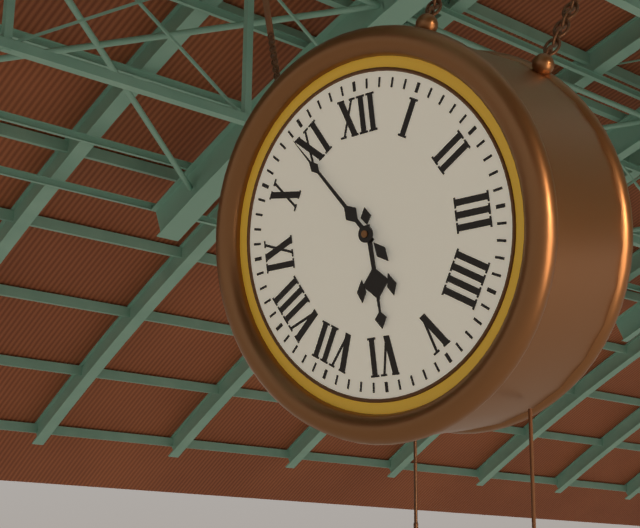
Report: 5:54
